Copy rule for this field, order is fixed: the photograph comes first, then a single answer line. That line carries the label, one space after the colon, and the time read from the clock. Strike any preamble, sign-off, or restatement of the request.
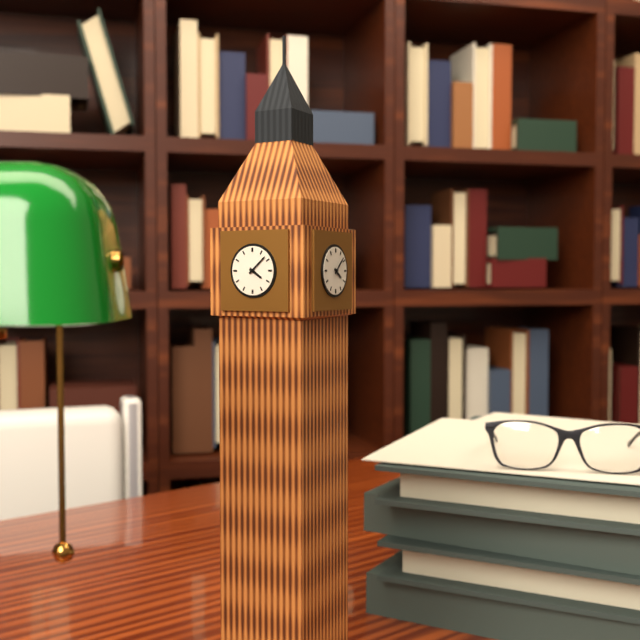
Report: 4:08
